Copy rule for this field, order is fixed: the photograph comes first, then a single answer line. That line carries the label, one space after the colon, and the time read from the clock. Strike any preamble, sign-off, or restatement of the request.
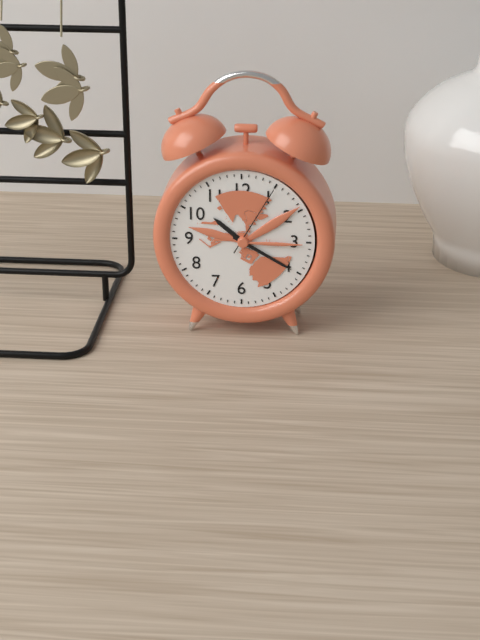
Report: 10:20:05
